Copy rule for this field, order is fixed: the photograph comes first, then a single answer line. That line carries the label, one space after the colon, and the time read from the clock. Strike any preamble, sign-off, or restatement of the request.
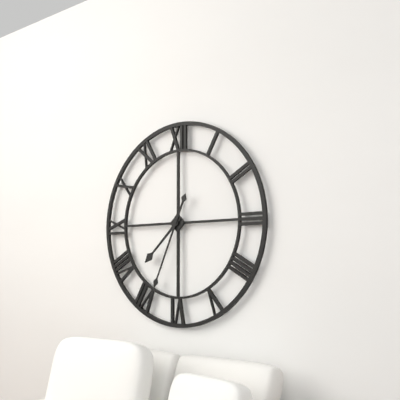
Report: 7:34
